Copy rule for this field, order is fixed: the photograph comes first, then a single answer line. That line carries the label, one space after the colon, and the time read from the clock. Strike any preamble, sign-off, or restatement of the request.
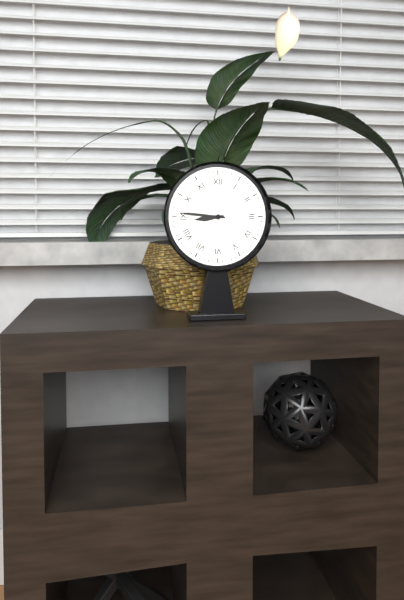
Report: 8:46
